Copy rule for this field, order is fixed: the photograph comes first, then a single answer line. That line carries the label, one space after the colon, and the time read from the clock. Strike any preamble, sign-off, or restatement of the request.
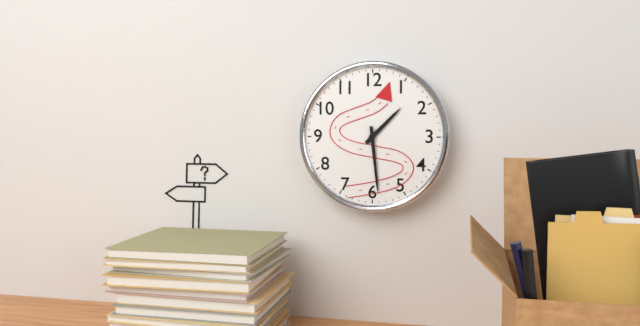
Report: 1:29
